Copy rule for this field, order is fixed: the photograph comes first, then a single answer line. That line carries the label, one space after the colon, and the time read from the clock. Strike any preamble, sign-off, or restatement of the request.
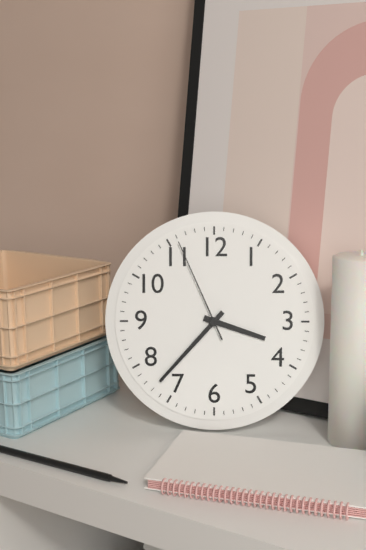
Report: 3:37:56
